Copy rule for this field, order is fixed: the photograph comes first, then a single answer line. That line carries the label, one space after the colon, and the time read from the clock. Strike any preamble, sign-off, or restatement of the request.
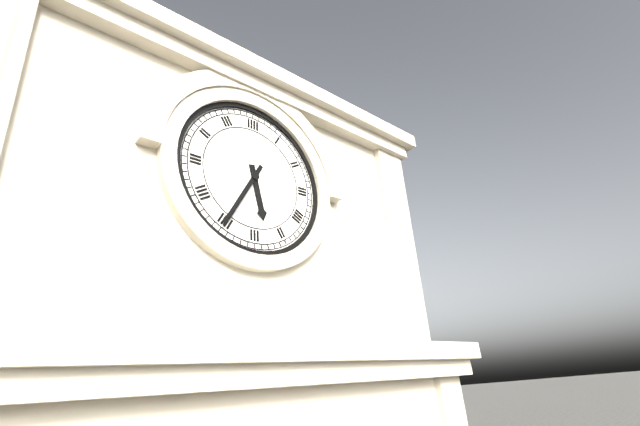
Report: 5:35
